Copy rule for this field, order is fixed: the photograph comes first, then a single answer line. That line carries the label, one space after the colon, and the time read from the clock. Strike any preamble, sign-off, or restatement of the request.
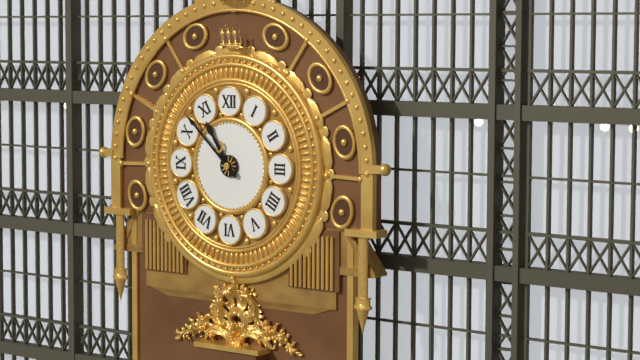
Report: 10:52
